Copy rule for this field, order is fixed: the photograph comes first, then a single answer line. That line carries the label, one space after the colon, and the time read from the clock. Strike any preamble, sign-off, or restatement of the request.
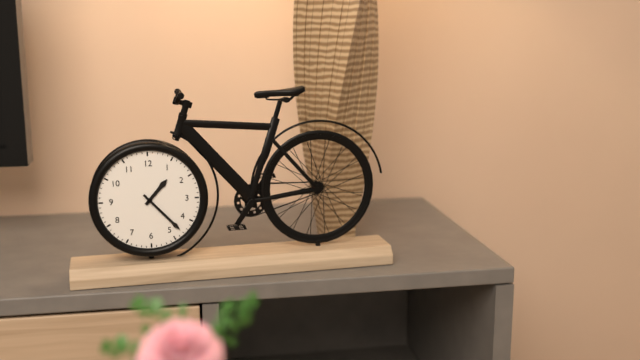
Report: 1:23
